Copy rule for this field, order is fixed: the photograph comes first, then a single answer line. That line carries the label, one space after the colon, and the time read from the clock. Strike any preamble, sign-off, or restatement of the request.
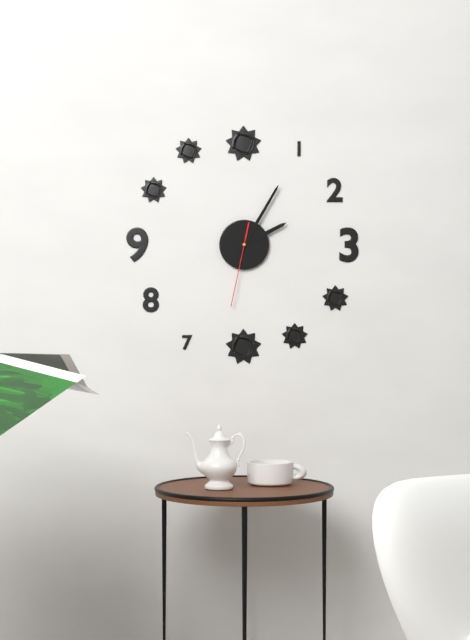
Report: 2:05:32
